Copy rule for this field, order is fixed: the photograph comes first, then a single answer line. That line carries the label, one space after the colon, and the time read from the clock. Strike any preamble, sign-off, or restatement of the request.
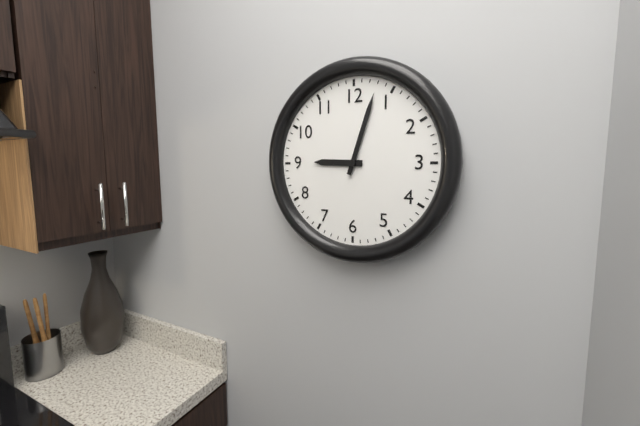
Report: 9:03
